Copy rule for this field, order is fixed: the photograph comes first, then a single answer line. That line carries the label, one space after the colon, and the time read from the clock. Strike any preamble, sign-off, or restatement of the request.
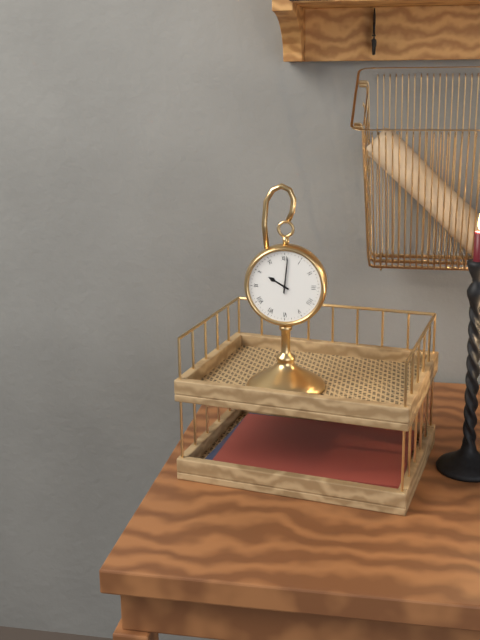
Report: 10:01
